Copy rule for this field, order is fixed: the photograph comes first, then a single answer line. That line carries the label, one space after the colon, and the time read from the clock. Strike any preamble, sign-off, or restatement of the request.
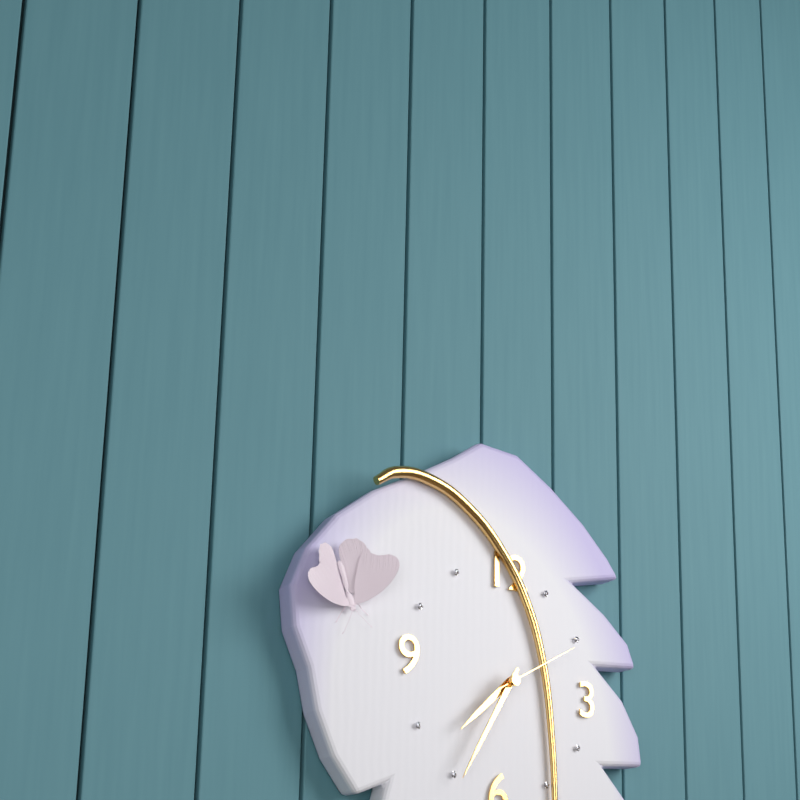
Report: 7:35:10
